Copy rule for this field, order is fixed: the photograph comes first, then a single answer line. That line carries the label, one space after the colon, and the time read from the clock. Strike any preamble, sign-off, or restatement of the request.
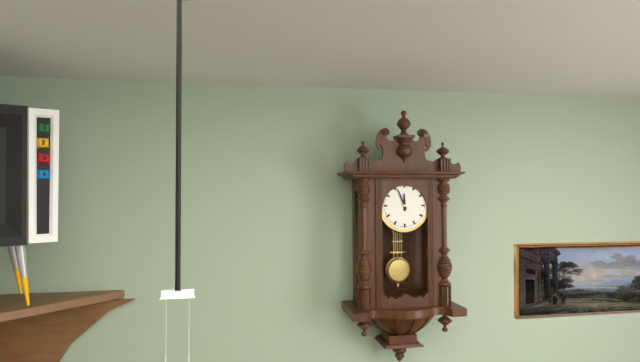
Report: 11:56
